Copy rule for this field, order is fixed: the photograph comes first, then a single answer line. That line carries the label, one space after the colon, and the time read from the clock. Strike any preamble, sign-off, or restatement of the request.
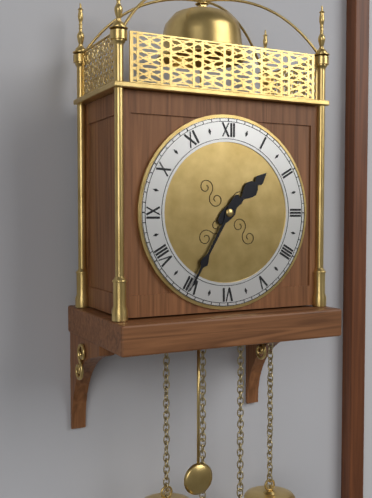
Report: 1:35
